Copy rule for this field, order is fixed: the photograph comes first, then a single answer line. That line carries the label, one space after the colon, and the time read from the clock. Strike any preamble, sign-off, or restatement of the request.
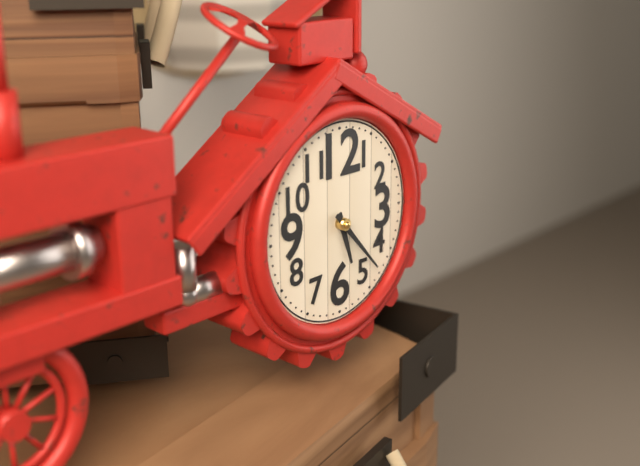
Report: 5:23
